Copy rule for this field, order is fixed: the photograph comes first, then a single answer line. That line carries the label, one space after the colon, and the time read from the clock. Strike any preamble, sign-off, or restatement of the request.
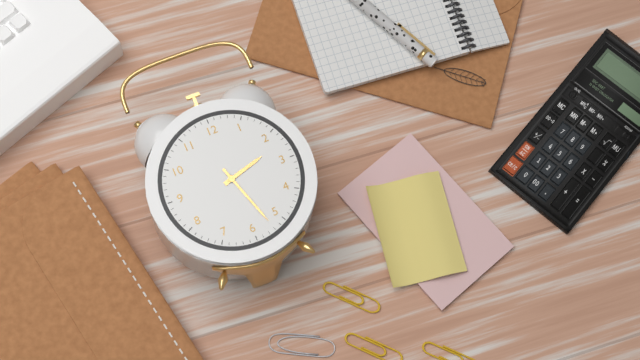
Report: 2:27
